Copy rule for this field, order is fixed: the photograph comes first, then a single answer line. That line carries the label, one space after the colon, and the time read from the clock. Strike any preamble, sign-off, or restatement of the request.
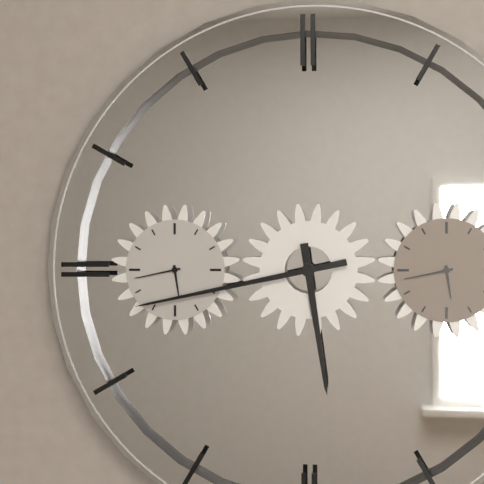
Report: 5:43
